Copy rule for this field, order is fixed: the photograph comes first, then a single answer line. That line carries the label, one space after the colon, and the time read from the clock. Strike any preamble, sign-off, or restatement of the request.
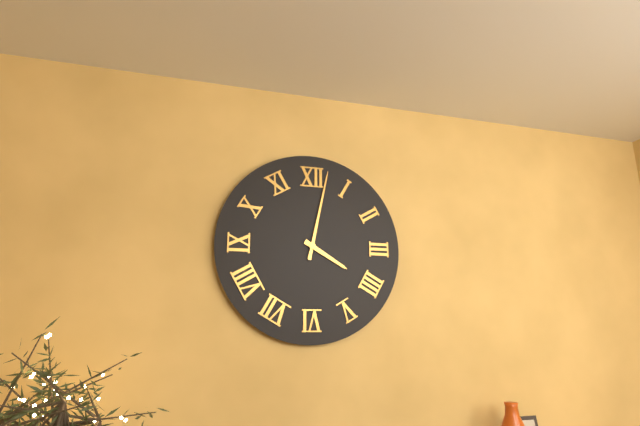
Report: 4:02
